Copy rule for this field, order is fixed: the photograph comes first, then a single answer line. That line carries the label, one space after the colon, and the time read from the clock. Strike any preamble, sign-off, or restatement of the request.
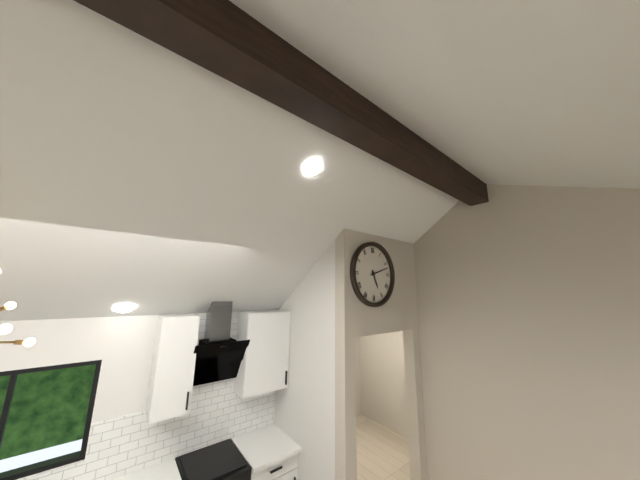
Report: 5:12
